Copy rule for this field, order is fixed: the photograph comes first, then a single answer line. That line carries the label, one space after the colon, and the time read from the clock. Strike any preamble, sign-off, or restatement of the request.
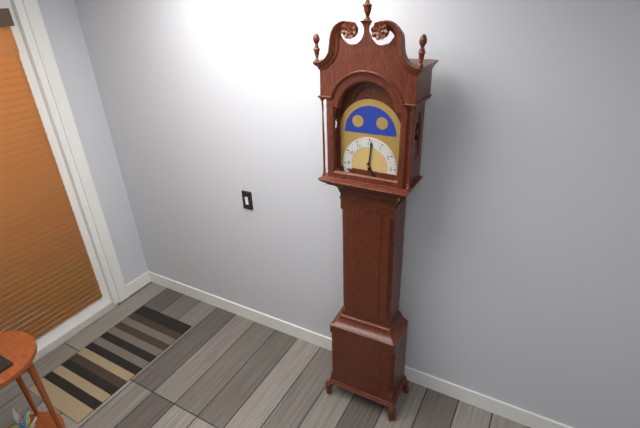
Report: 5:01
